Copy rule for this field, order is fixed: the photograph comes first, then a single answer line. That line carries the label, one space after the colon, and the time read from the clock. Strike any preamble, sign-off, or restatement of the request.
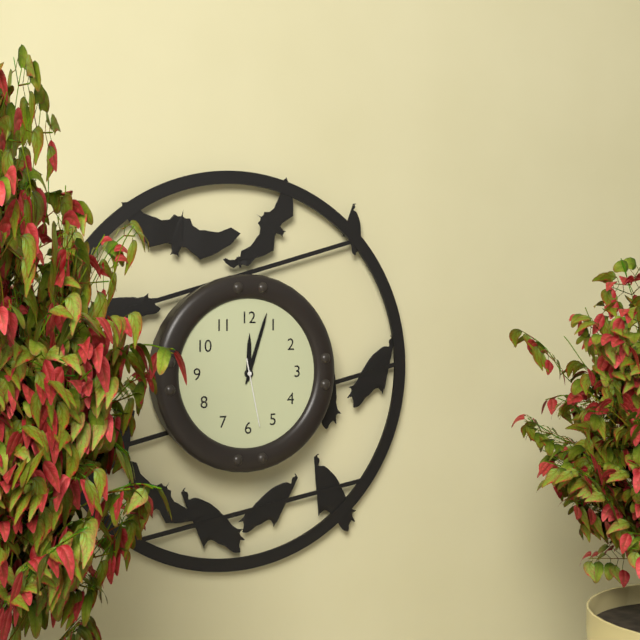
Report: 12:03:28
